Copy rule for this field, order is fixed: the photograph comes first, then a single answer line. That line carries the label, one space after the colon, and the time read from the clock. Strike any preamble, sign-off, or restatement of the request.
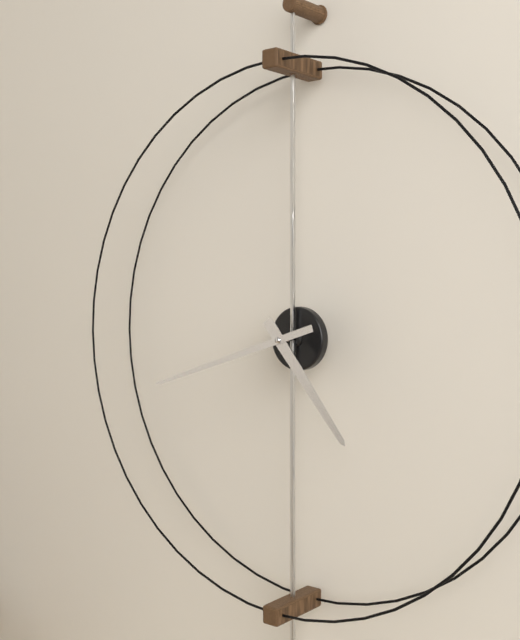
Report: 4:42
